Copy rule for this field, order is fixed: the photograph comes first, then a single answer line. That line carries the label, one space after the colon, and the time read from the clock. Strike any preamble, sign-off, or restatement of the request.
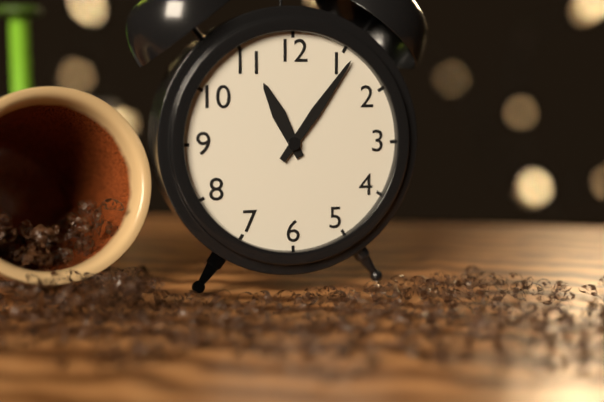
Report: 11:06
